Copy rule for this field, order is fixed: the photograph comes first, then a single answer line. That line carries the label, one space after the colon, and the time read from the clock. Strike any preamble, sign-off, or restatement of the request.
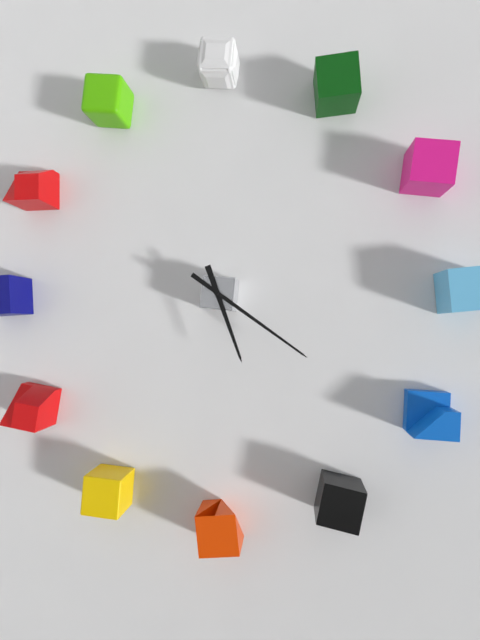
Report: 5:21
